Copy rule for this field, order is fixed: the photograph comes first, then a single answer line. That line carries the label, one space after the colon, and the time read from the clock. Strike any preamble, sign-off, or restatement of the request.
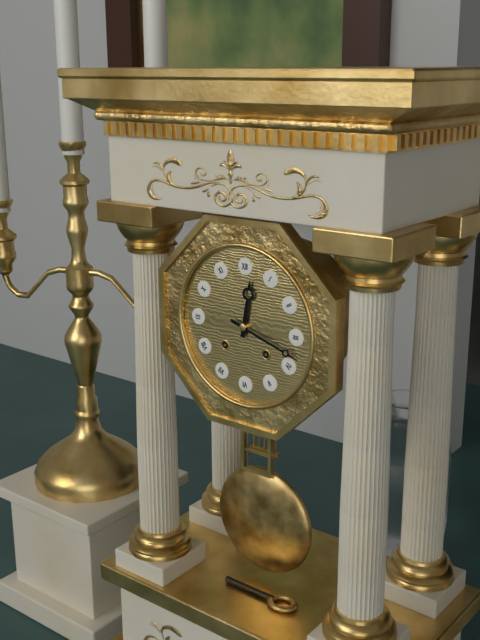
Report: 12:18
